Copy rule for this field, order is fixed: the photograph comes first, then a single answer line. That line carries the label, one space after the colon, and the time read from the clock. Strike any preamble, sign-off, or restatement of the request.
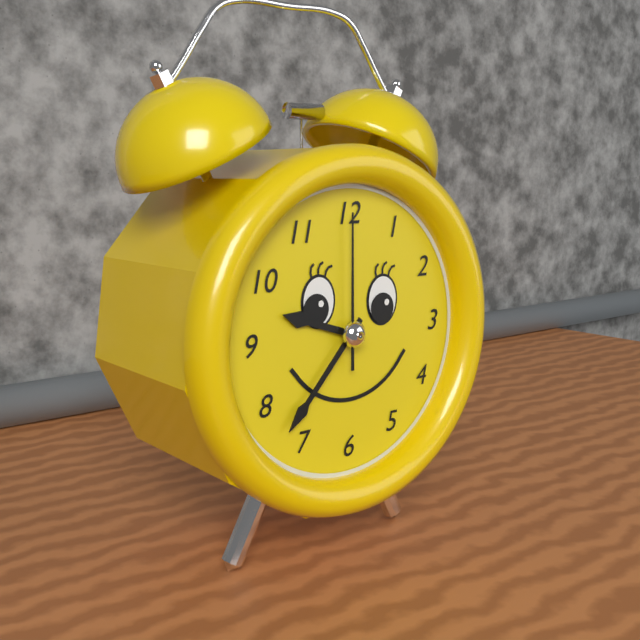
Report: 9:37:00
